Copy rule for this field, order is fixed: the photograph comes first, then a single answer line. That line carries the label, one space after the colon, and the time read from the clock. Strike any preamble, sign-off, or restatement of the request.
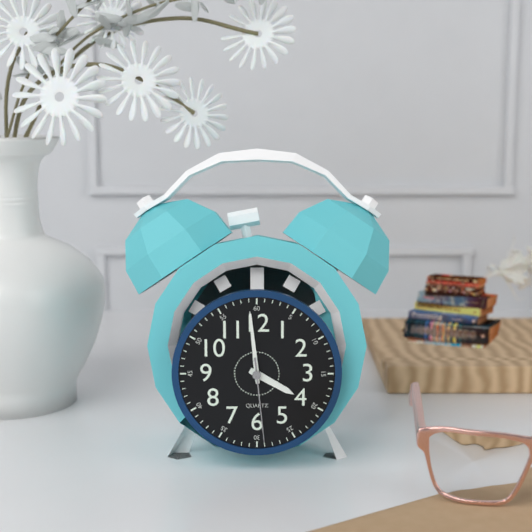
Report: 3:59:29
